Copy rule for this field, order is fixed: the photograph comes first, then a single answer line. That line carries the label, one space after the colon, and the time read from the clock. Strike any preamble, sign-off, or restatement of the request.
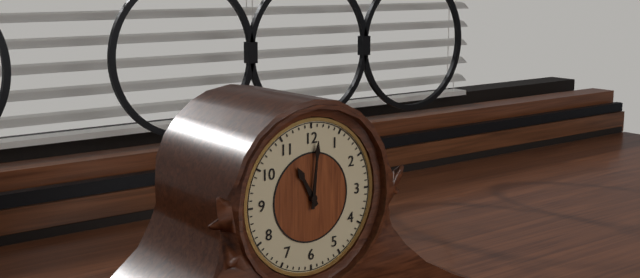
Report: 11:01
